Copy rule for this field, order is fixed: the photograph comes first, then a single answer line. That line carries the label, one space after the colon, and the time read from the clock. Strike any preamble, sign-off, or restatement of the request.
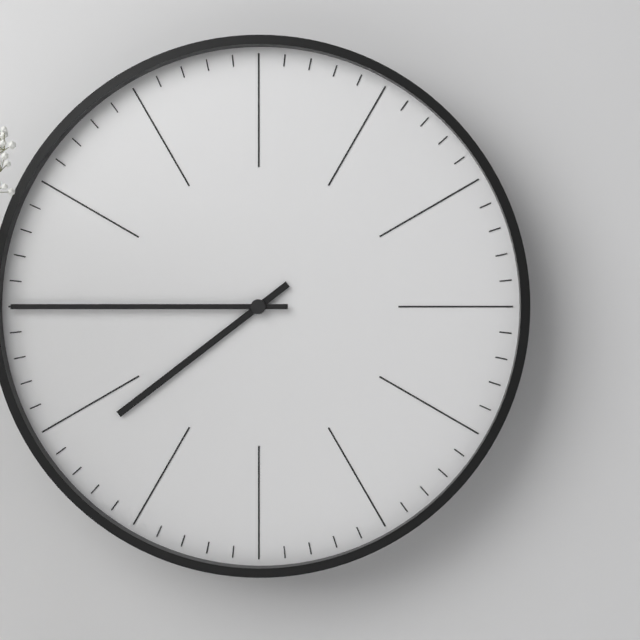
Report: 7:45
